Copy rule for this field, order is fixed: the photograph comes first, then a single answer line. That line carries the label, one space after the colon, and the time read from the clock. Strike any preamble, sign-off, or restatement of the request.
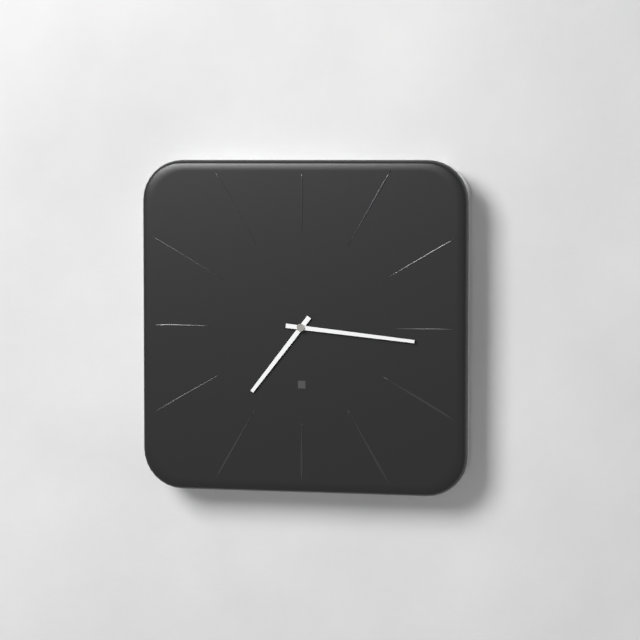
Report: 7:16
